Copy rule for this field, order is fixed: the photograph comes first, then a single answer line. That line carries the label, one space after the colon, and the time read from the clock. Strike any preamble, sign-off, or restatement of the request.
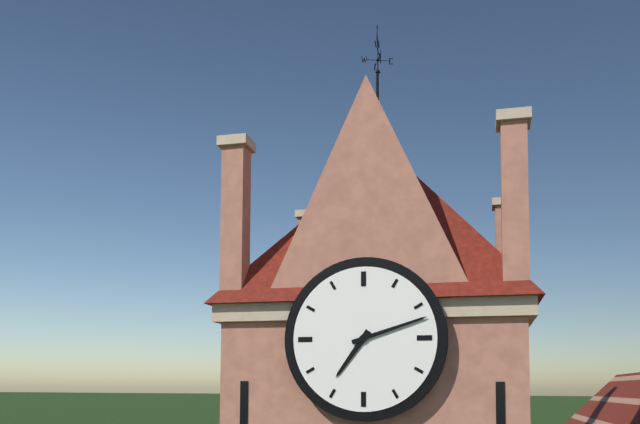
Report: 7:12
